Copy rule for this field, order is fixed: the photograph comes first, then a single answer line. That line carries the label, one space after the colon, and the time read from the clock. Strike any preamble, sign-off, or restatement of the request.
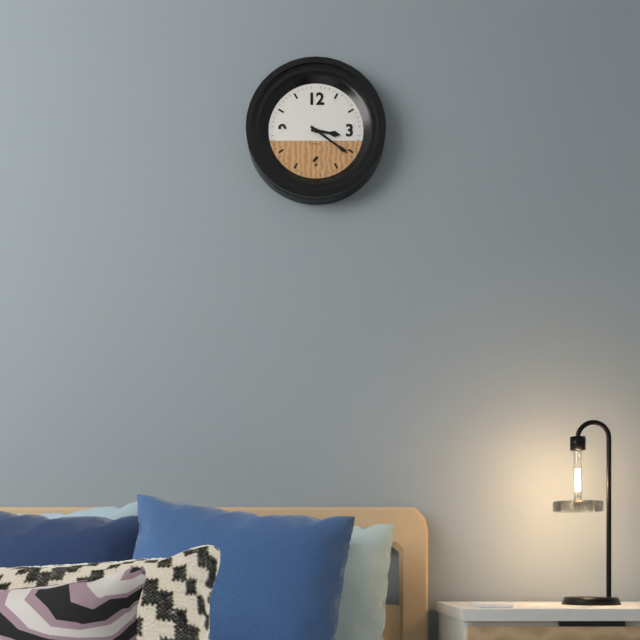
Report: 3:21
